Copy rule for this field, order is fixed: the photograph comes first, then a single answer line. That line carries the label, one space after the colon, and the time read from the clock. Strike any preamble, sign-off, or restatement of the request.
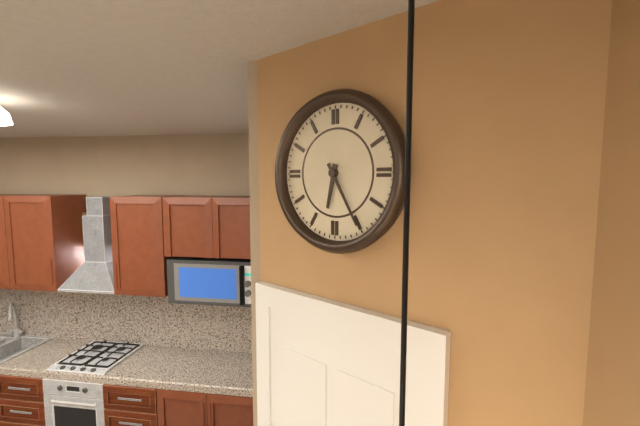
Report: 6:25
